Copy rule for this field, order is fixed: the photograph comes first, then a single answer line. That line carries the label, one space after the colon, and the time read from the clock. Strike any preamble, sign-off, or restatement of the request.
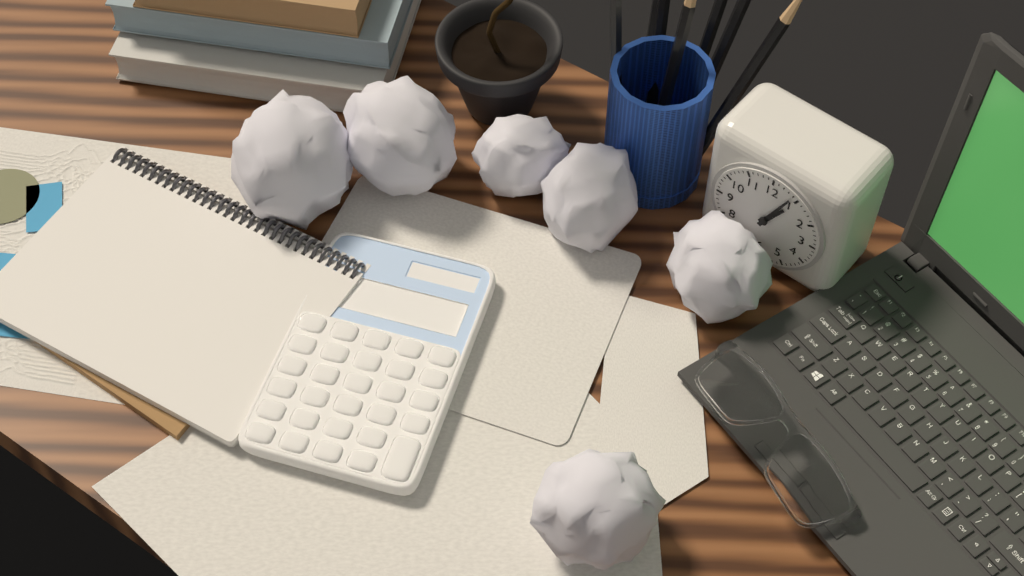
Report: 1:04
